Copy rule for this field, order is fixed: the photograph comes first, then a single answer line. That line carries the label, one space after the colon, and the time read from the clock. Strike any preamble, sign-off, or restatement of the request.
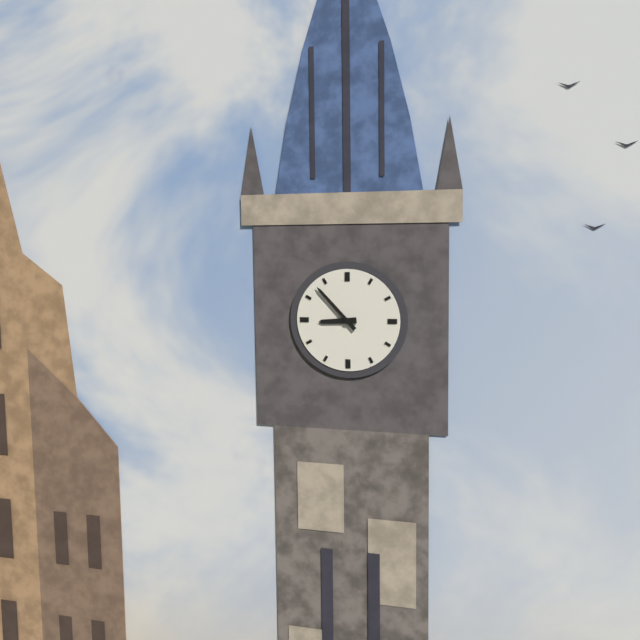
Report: 8:53
